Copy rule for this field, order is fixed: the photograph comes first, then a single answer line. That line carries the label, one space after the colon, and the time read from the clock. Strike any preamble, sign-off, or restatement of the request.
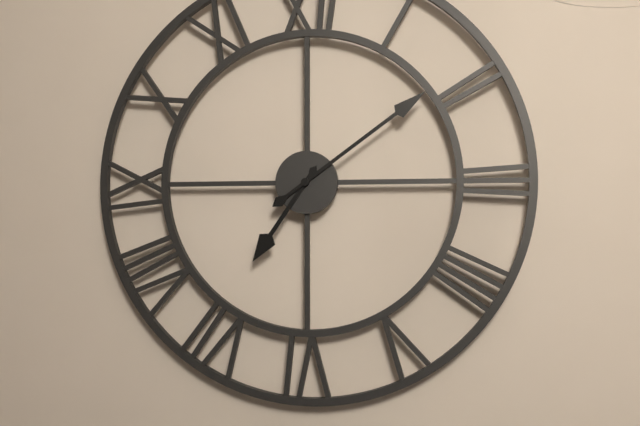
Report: 7:09
